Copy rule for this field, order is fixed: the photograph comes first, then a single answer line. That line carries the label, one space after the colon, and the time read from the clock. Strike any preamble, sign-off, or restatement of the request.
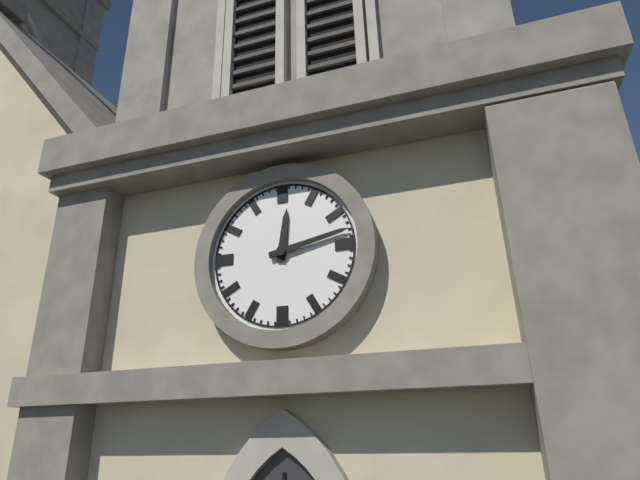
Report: 12:13
